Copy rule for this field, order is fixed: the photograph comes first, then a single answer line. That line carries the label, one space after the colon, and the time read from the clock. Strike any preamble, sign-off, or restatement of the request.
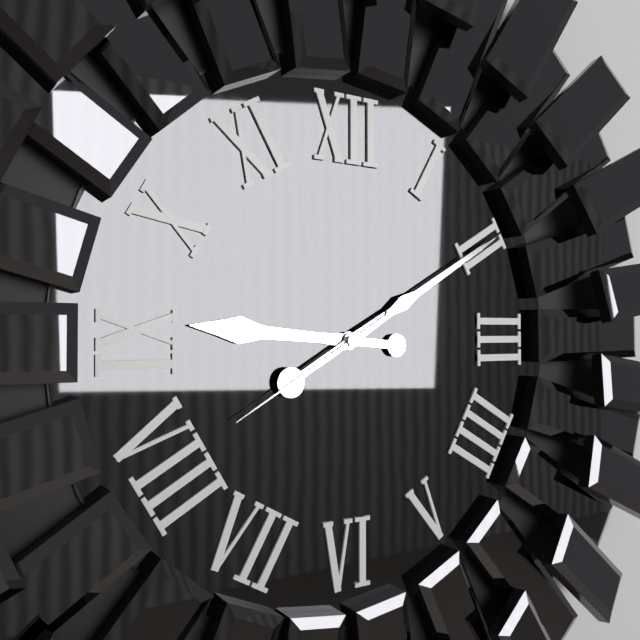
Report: 9:10:40
